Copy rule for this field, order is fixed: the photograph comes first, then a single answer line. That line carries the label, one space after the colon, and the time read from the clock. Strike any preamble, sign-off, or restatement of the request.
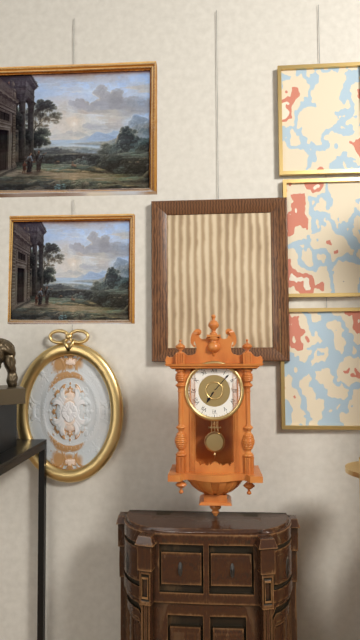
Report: 7:07
